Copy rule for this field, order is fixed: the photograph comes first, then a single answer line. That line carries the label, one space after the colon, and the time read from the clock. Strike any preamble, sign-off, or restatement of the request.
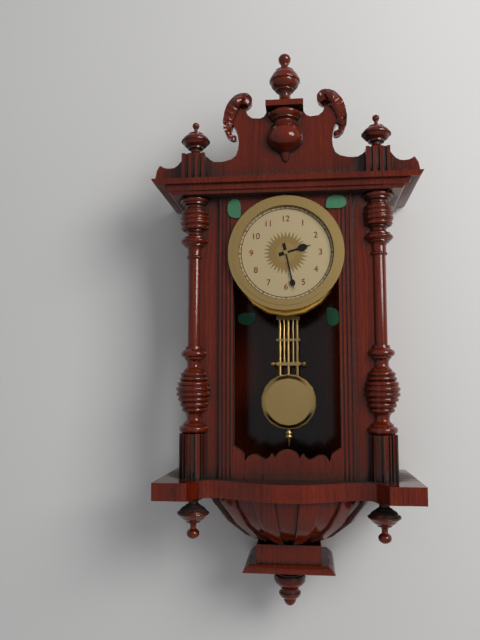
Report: 2:28
